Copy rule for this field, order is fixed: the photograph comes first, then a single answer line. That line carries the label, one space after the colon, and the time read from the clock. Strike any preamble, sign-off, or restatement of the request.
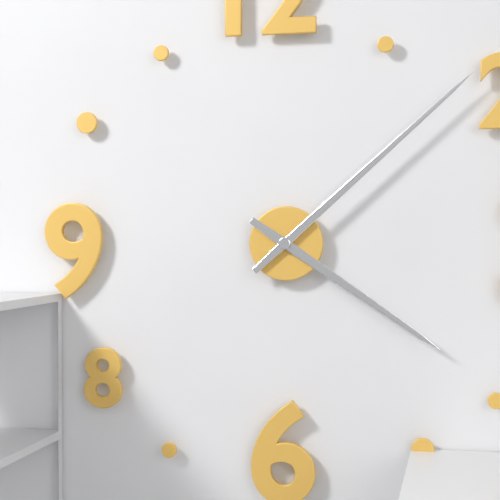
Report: 4:08
